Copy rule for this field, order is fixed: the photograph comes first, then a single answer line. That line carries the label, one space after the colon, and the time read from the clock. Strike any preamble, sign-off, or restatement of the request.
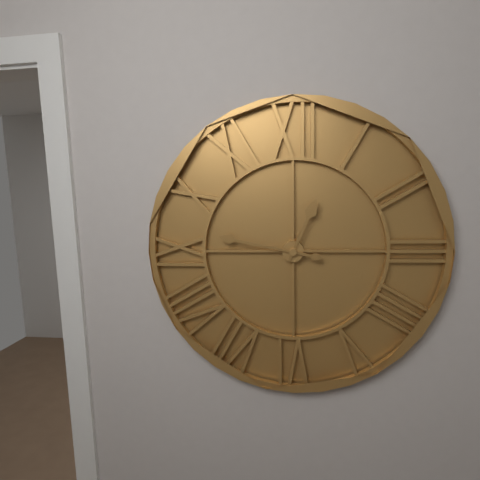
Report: 12:47
